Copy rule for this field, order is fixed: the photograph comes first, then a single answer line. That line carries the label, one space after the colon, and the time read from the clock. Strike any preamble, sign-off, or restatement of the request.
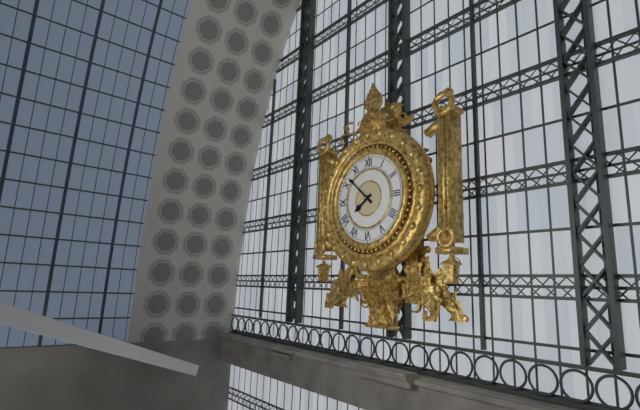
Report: 7:52
